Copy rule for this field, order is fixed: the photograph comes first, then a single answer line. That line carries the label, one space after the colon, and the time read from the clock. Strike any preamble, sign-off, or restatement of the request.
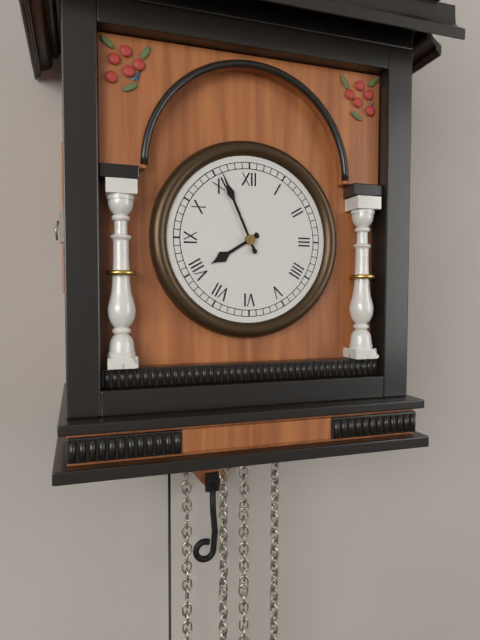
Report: 7:56
